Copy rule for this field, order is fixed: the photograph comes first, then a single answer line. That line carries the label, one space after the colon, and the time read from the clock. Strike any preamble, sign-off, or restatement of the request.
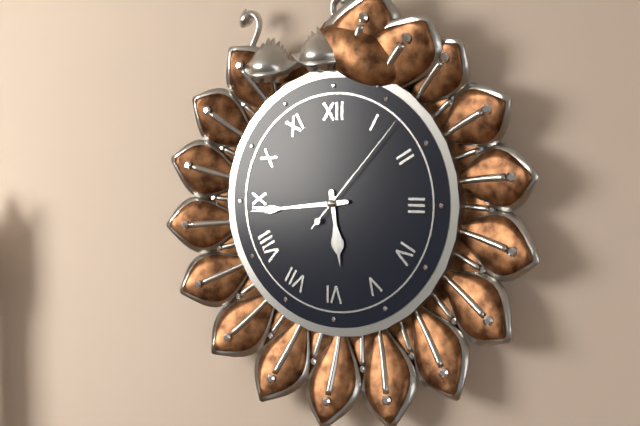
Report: 5:44:07
